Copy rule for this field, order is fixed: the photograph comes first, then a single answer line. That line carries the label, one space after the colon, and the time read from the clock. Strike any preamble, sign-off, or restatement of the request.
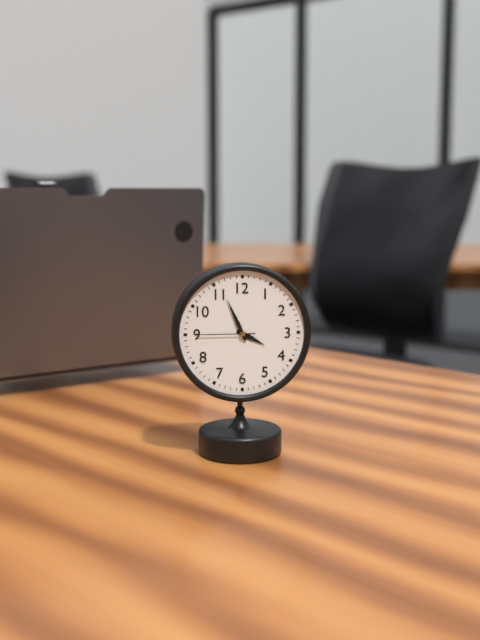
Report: 3:56:45
